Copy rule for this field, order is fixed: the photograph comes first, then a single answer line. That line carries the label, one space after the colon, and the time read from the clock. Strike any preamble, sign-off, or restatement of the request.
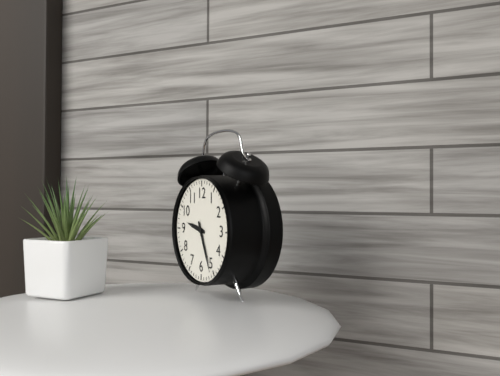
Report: 9:26
